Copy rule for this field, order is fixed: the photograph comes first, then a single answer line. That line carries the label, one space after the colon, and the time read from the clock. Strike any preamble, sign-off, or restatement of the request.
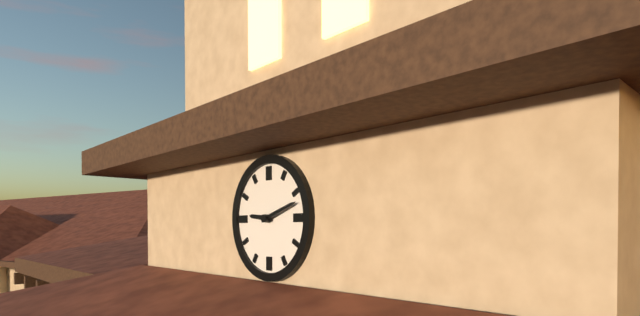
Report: 9:12
